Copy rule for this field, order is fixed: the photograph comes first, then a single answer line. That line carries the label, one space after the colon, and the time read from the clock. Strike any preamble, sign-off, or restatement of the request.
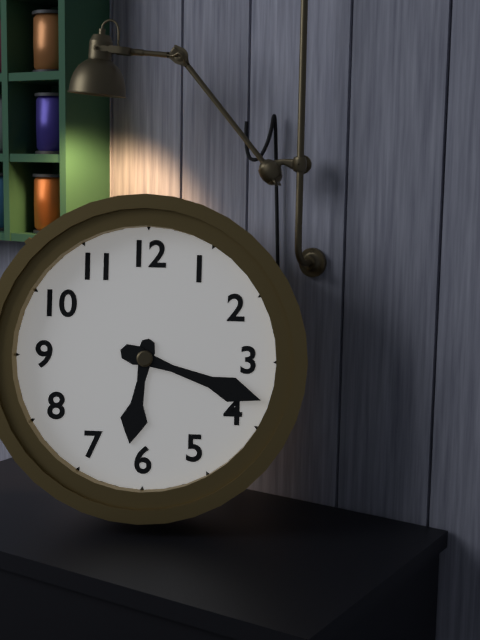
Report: 6:18
